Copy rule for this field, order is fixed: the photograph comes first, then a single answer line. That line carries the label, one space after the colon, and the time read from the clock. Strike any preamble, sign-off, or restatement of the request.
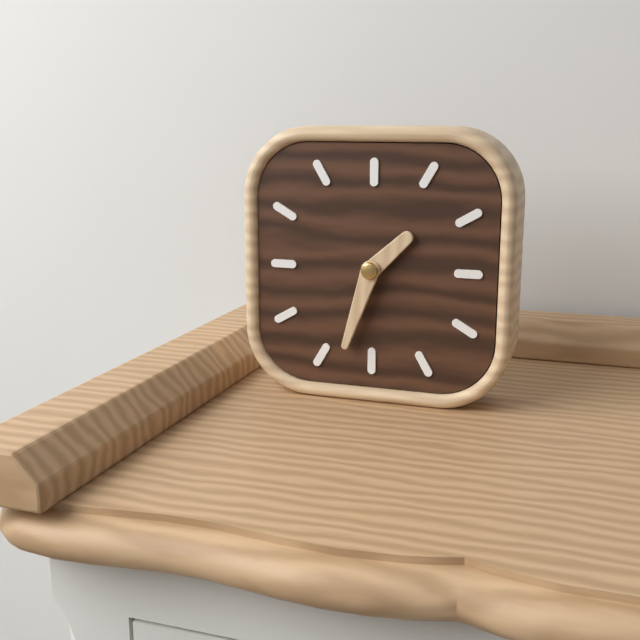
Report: 1:33
